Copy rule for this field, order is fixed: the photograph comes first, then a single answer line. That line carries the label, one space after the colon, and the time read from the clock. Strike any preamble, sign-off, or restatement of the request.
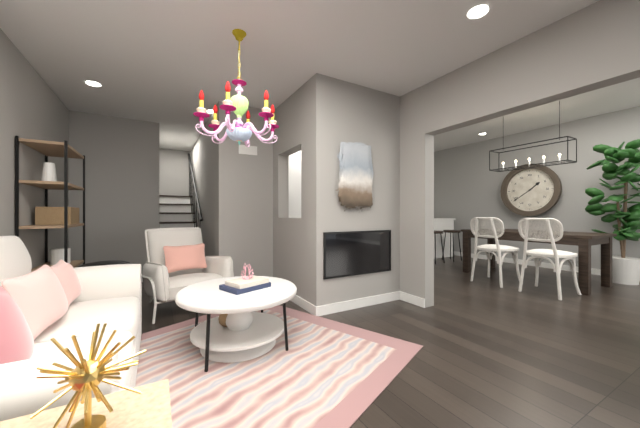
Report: 1:39
